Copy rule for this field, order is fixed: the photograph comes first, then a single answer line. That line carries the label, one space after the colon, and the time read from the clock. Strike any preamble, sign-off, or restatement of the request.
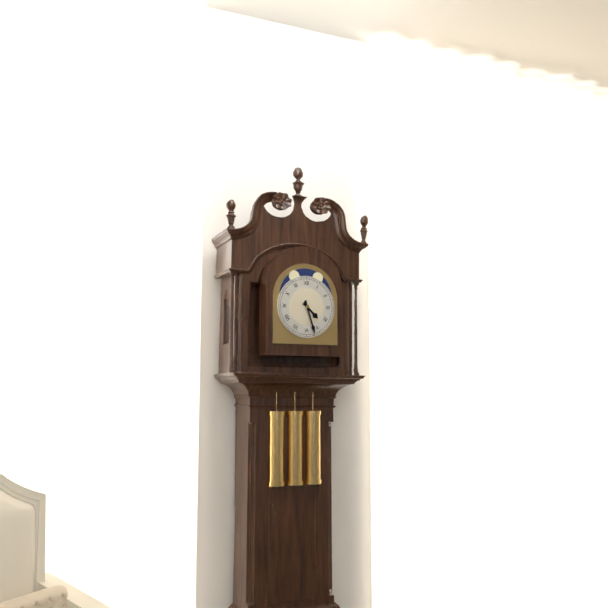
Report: 4:27
